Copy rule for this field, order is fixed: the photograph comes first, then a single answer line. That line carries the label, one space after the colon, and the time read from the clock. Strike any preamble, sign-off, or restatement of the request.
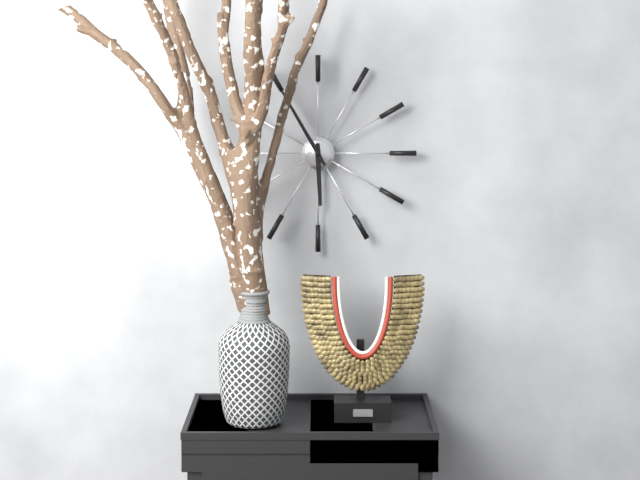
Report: 5:55
